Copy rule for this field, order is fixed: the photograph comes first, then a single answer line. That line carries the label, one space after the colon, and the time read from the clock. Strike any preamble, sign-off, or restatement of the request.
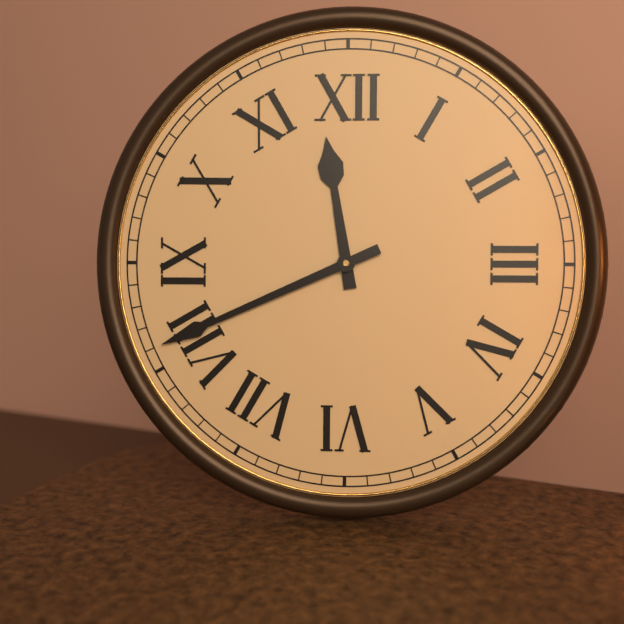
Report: 11:41
